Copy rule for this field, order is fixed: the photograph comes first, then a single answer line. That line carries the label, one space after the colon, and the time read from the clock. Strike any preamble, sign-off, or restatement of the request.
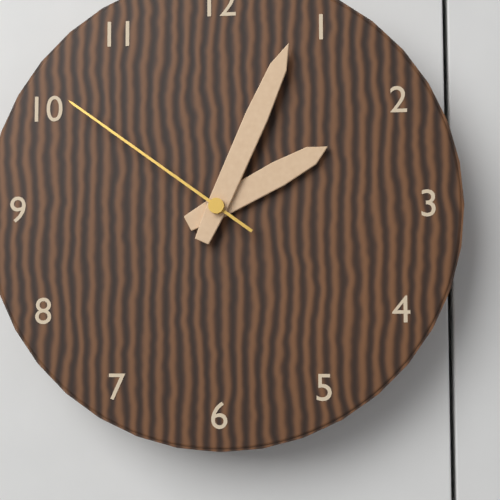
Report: 2:04:51
